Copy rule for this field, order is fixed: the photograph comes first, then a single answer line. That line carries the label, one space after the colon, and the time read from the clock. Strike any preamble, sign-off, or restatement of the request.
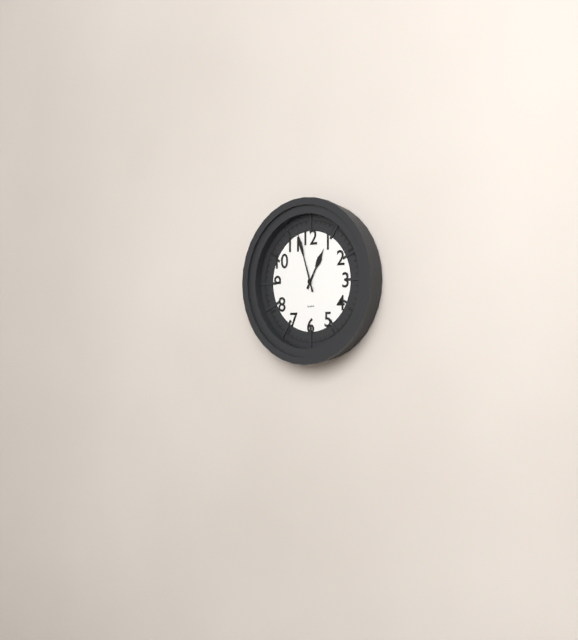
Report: 12:57
